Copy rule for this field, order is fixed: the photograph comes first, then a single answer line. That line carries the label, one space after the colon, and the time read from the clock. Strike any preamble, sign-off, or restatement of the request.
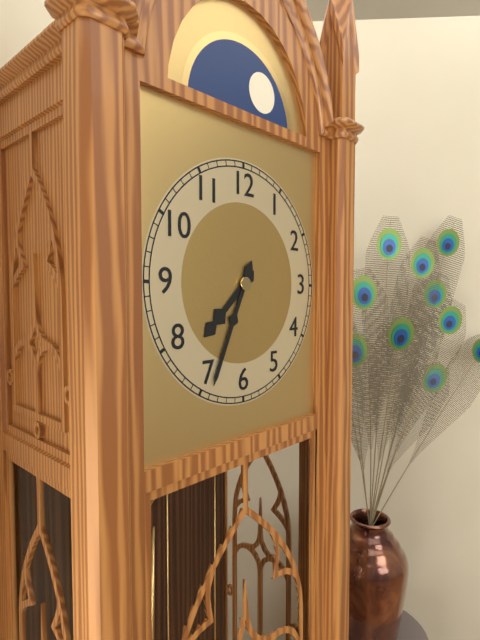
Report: 7:34
